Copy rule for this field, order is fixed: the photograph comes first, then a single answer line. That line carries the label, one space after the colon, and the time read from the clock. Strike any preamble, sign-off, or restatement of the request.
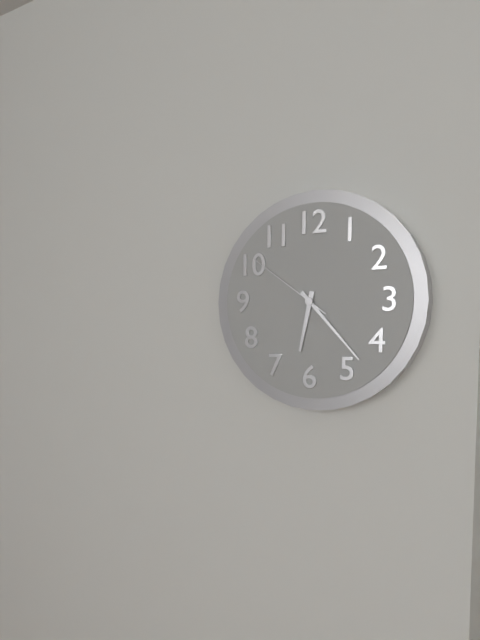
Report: 6:23:51
